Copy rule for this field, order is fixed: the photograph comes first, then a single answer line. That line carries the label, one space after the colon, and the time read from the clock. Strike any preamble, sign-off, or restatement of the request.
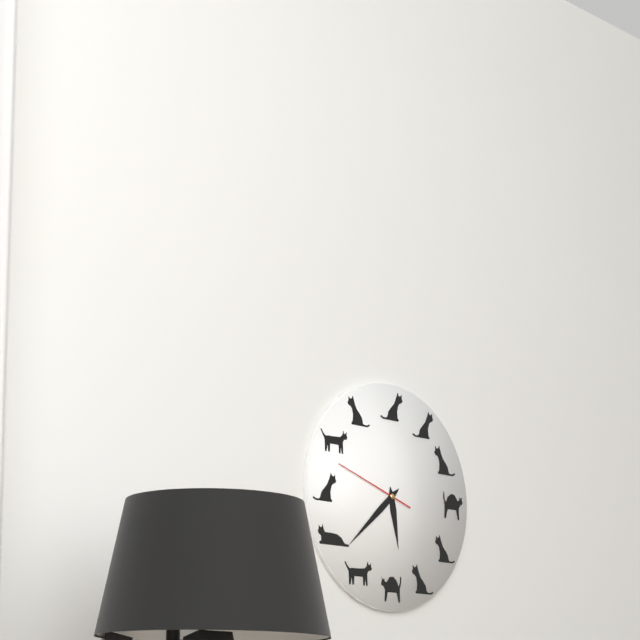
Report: 5:38:48
